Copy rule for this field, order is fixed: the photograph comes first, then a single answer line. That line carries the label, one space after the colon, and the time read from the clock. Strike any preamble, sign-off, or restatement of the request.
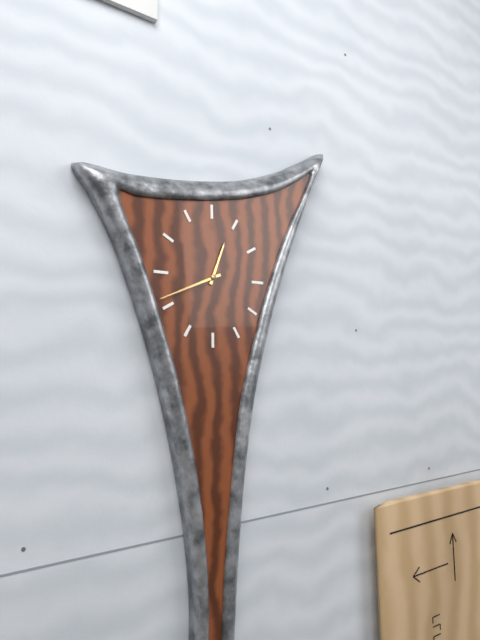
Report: 12:41
